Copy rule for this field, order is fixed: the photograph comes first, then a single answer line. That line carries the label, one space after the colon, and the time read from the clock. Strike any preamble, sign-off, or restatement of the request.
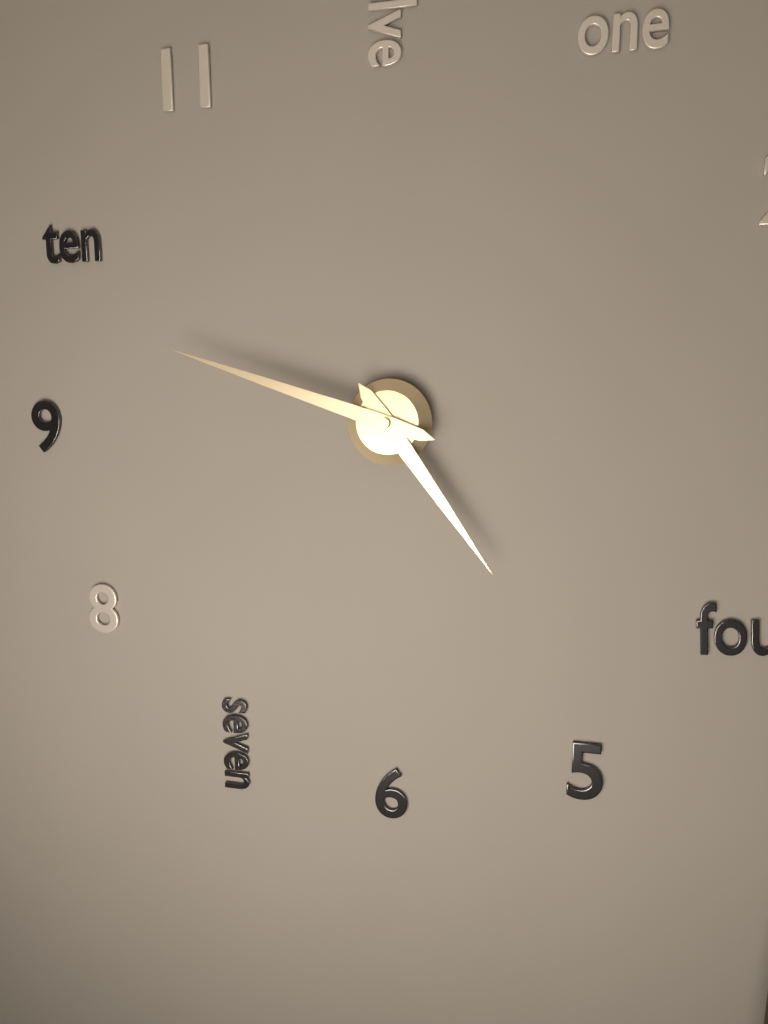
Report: 4:48
